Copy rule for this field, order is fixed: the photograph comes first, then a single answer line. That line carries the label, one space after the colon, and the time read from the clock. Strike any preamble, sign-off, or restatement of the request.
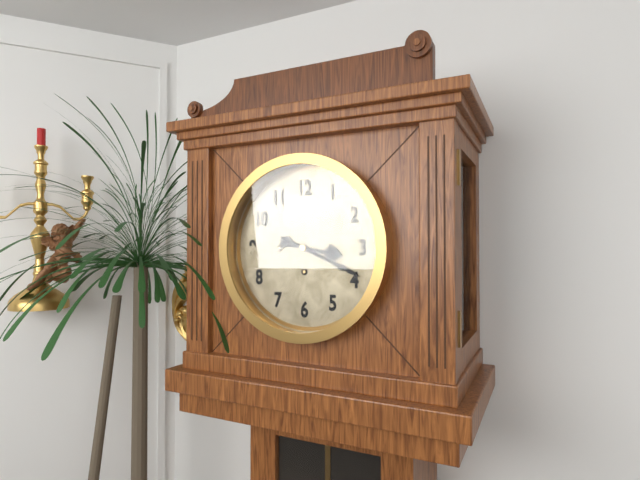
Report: 3:19
